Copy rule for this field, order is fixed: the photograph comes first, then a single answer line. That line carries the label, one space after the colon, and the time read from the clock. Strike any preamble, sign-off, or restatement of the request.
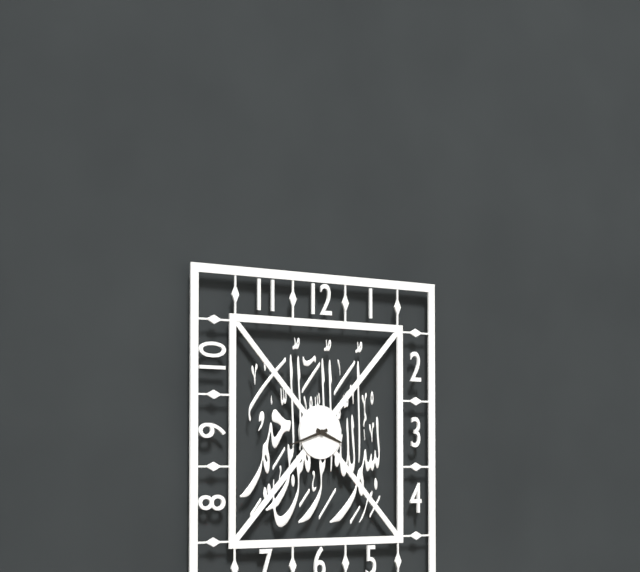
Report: 3:42
